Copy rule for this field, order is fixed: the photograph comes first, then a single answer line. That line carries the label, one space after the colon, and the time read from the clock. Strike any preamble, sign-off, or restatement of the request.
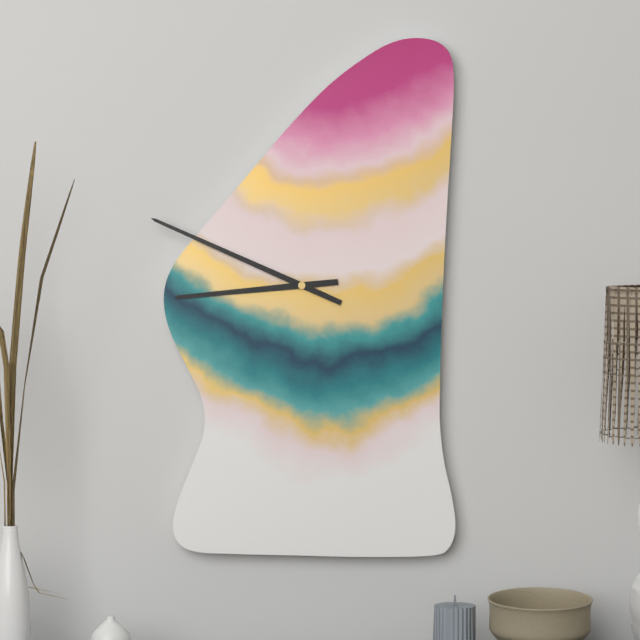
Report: 8:49
